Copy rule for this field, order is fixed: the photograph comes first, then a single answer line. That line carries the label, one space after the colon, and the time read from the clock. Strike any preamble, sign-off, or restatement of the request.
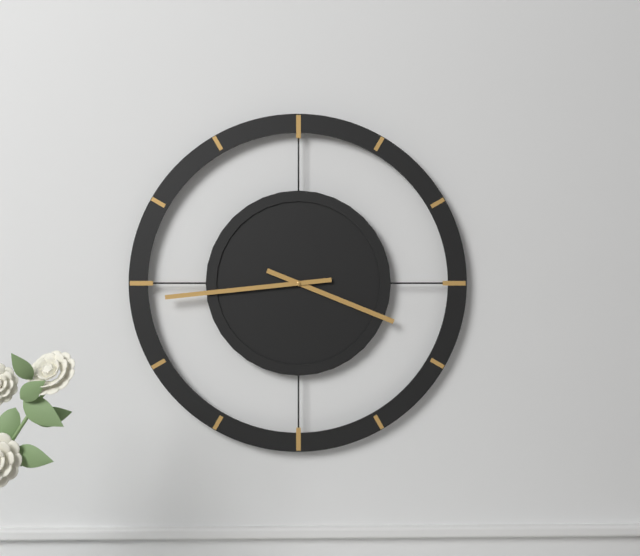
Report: 3:44
